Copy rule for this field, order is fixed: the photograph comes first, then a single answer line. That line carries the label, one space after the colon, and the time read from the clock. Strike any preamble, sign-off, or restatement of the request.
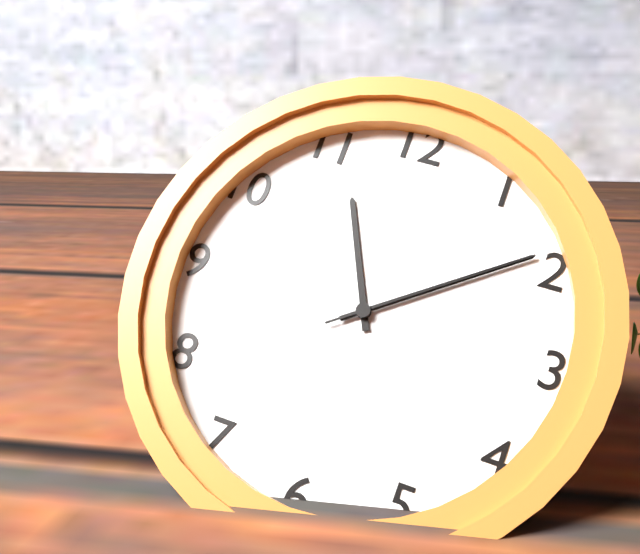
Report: 11:09:09
